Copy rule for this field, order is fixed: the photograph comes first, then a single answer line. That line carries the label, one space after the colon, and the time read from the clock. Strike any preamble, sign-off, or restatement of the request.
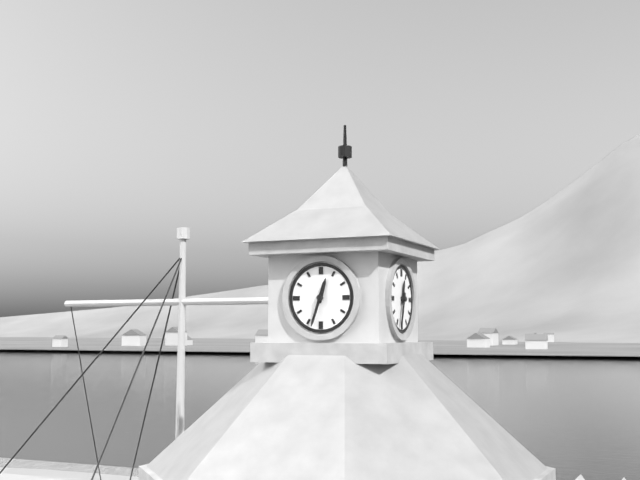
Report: 12:33
